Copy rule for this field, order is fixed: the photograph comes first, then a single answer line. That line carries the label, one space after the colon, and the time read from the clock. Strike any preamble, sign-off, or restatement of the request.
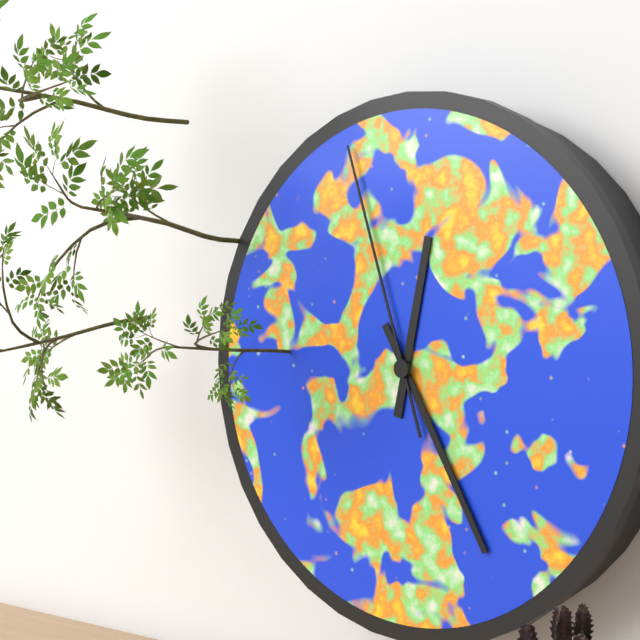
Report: 12:25:57
